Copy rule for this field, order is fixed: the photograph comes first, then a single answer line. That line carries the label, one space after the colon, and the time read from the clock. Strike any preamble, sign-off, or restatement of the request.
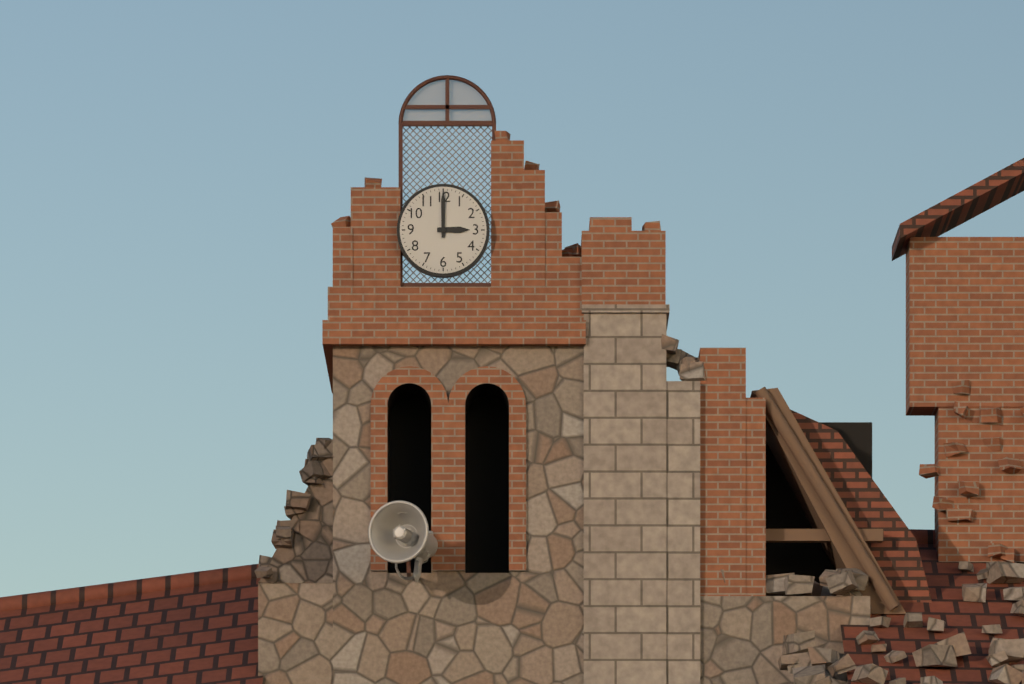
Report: 3:00
